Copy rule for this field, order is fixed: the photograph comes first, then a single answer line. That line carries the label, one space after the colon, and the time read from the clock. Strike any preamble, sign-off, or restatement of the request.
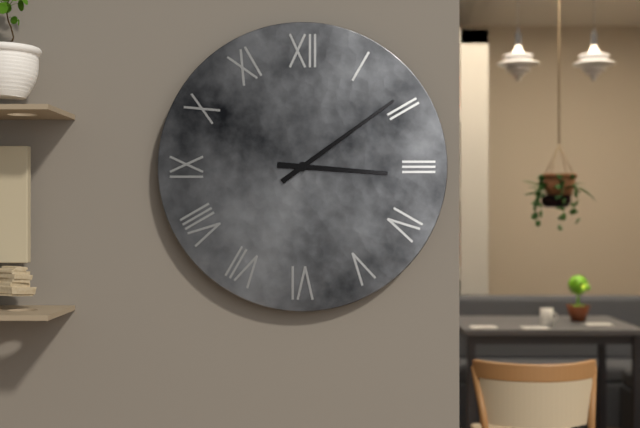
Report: 3:09
